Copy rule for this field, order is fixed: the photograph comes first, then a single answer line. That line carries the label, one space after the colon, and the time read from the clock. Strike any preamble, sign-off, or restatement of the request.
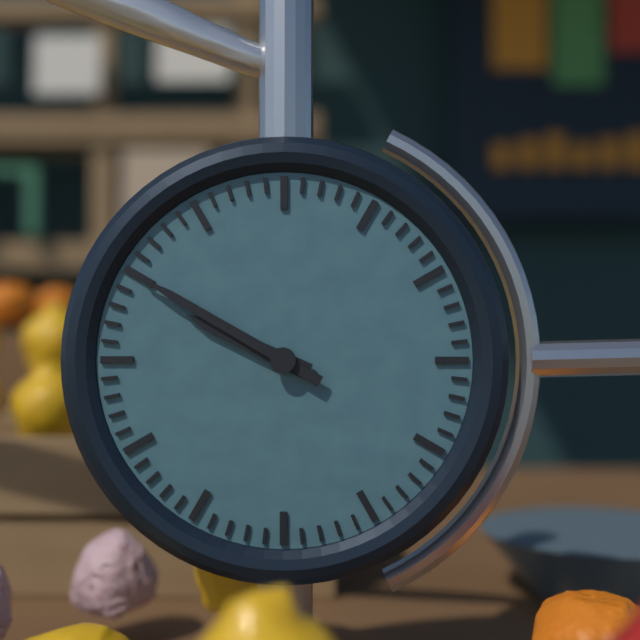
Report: 9:50
